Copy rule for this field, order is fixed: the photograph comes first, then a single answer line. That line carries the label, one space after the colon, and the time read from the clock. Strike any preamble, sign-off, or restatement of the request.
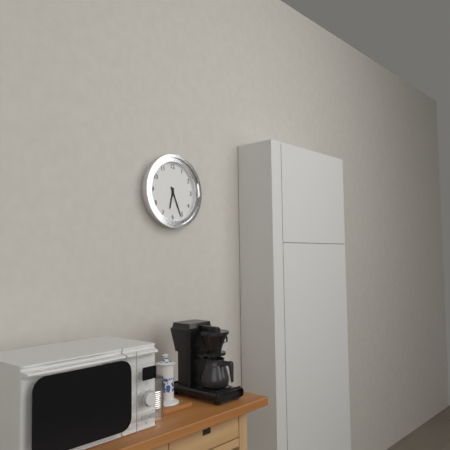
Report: 6:26
